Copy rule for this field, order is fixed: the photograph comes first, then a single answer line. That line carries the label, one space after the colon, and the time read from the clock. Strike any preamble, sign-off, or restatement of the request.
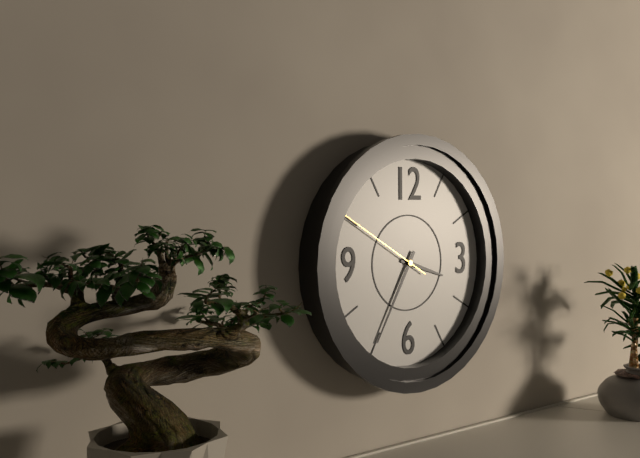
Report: 3:35:50
